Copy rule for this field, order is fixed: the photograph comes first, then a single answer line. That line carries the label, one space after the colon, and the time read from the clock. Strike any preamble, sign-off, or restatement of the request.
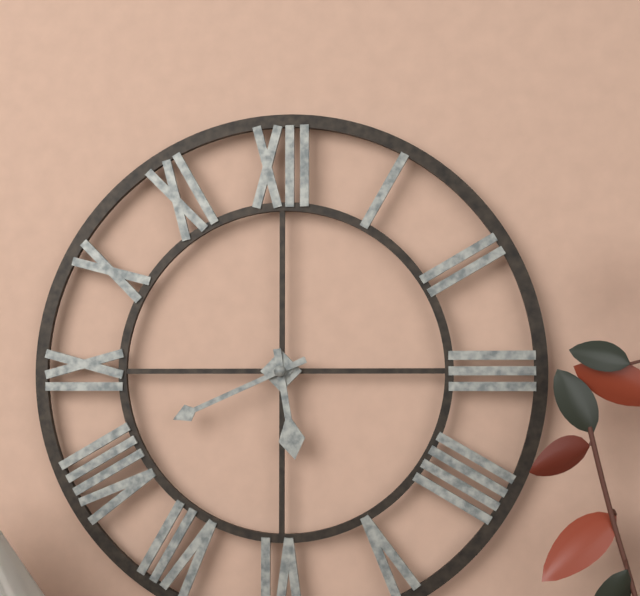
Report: 5:41
